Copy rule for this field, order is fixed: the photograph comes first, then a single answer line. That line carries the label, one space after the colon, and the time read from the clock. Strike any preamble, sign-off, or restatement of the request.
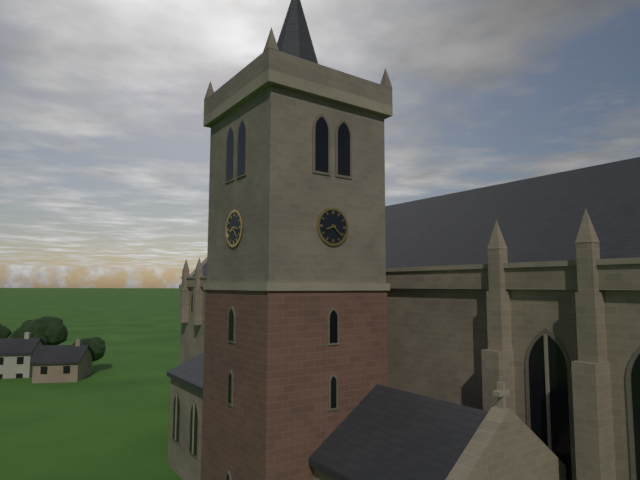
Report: 8:22
